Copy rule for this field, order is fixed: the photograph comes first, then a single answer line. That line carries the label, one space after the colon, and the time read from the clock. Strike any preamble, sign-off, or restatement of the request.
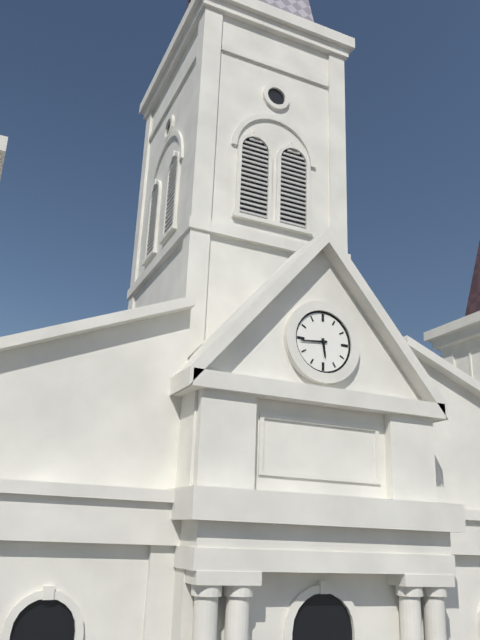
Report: 5:44
